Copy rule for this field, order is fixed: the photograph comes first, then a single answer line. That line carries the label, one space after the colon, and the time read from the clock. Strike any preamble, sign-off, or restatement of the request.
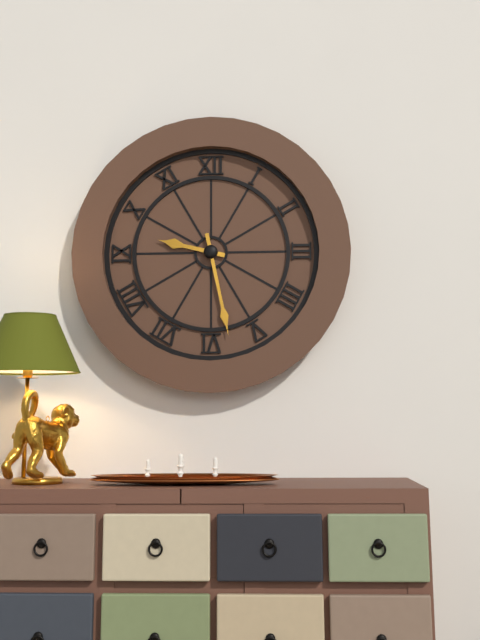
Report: 9:28
